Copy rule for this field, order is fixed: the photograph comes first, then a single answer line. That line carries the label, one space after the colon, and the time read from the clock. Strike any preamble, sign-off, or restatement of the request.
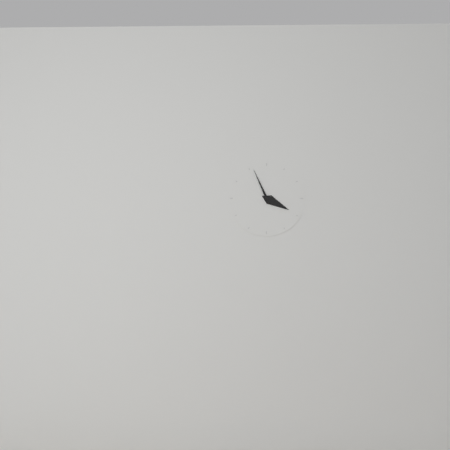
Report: 3:56
